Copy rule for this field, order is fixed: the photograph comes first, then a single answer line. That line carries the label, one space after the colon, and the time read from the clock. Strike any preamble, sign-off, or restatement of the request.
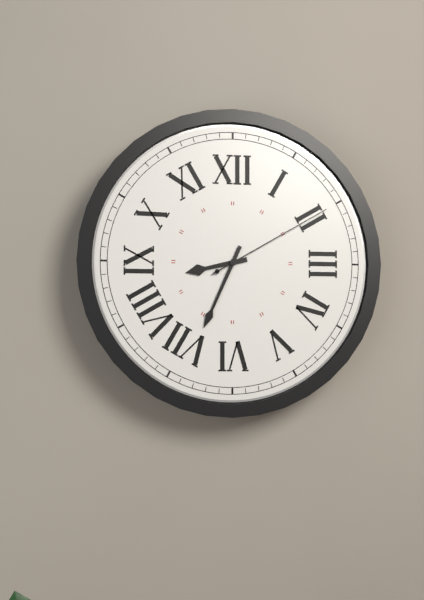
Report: 8:34:10
